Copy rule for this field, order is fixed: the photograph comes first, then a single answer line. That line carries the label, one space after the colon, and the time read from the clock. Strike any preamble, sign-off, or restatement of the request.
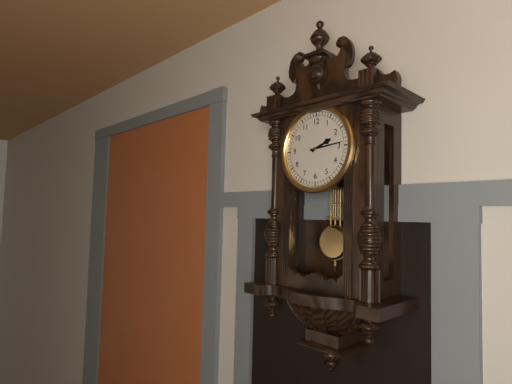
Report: 2:14
